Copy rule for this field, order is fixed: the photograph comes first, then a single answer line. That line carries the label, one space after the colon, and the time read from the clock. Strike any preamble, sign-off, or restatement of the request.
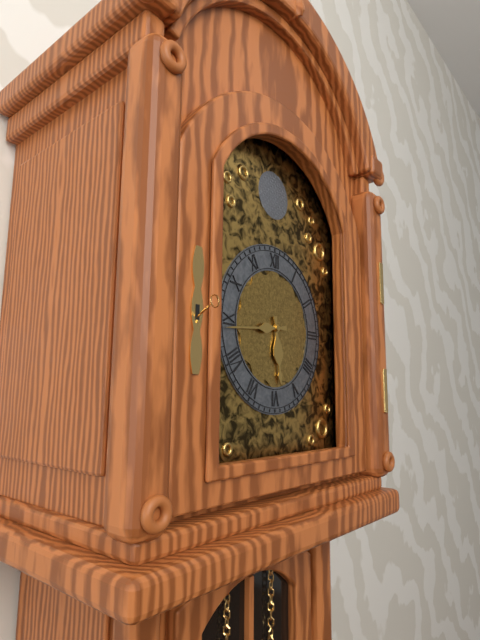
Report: 5:44
